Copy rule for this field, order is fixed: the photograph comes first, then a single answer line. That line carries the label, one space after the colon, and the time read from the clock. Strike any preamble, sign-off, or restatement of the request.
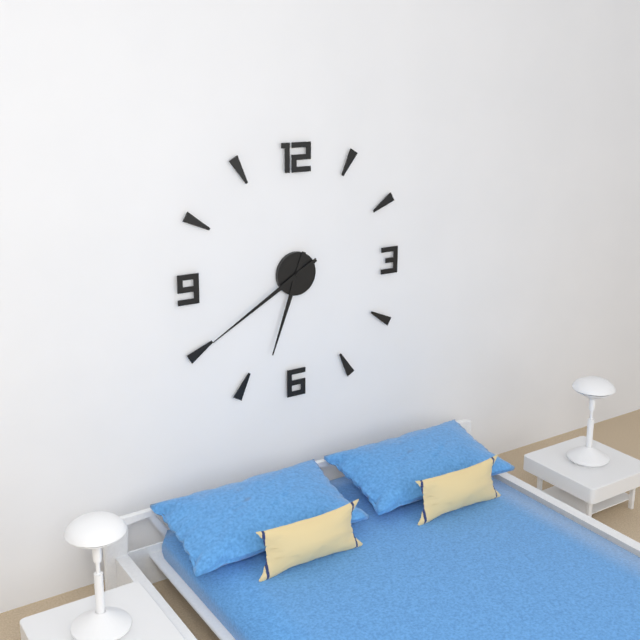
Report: 6:40
